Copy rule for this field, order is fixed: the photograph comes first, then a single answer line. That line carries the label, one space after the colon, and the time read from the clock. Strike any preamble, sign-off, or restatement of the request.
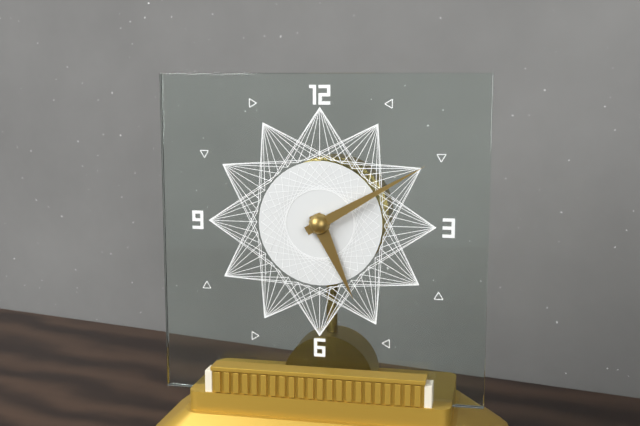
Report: 5:10
